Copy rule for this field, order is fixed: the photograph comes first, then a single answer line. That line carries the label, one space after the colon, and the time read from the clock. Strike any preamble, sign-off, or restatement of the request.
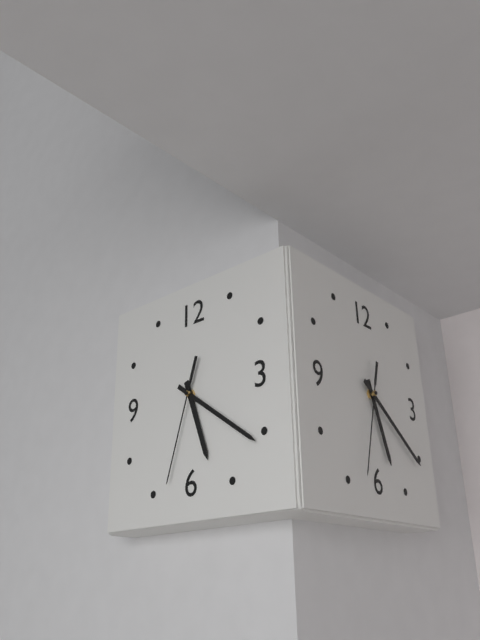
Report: 5:21:33
